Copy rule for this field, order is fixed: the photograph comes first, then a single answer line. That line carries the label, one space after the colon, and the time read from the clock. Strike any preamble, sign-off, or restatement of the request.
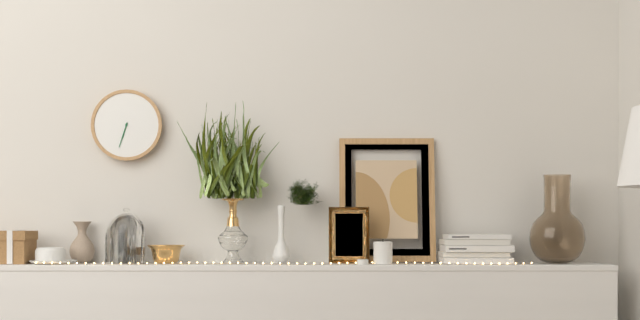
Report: 6:33
